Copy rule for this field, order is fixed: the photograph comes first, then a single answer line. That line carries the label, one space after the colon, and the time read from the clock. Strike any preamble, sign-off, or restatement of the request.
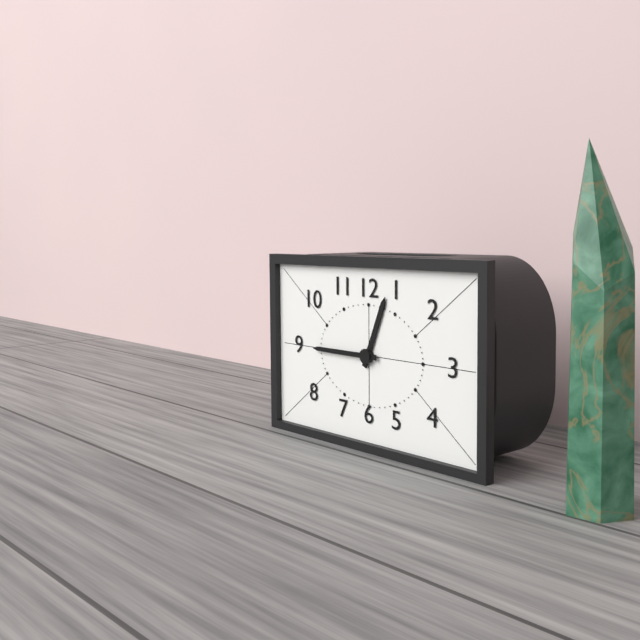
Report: 12:45
